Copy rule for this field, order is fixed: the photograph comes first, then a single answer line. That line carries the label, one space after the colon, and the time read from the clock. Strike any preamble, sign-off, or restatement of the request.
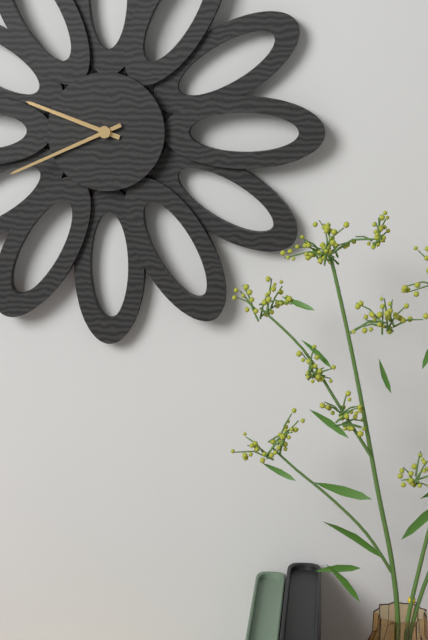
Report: 9:41
